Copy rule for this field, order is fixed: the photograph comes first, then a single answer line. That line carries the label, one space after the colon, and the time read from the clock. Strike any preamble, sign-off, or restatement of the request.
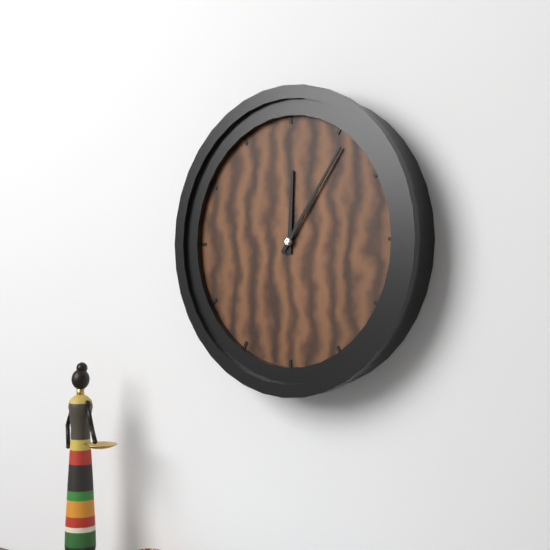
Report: 12:06
